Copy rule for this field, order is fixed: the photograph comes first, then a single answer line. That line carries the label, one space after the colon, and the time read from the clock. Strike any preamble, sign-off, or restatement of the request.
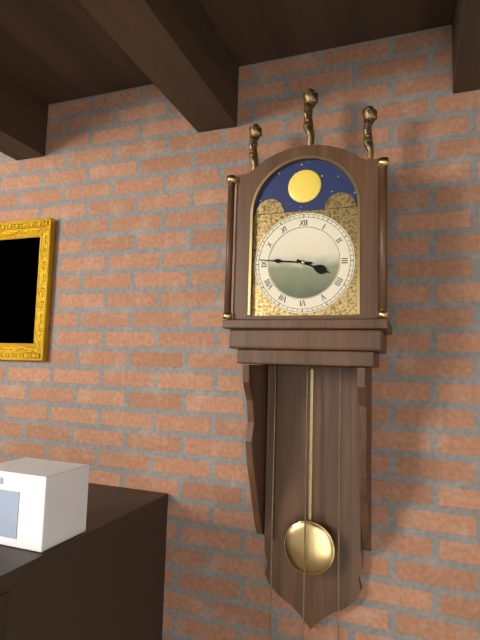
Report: 3:46
